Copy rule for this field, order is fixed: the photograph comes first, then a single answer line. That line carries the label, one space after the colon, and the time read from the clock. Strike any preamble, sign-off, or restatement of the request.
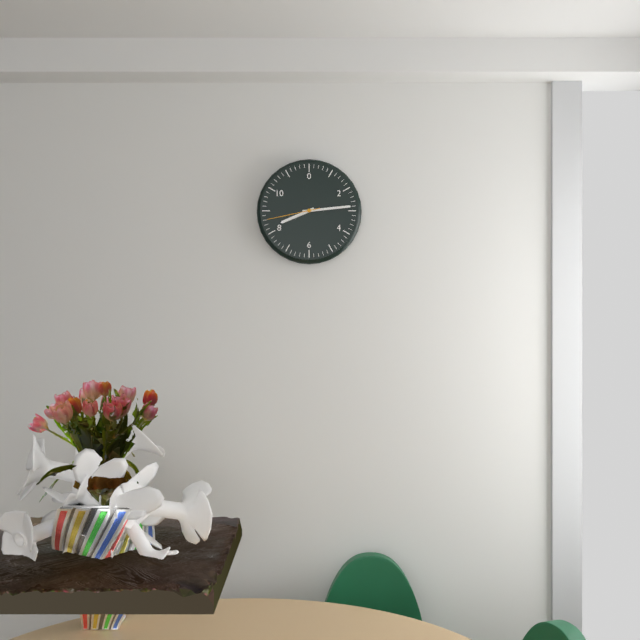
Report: 8:14:43
